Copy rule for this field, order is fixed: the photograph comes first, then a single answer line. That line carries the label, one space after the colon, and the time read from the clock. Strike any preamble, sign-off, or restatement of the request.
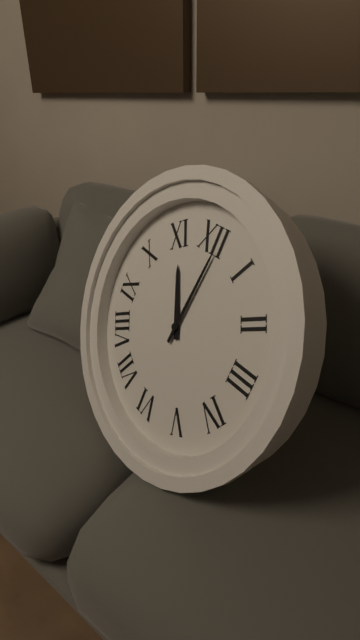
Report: 11:01
